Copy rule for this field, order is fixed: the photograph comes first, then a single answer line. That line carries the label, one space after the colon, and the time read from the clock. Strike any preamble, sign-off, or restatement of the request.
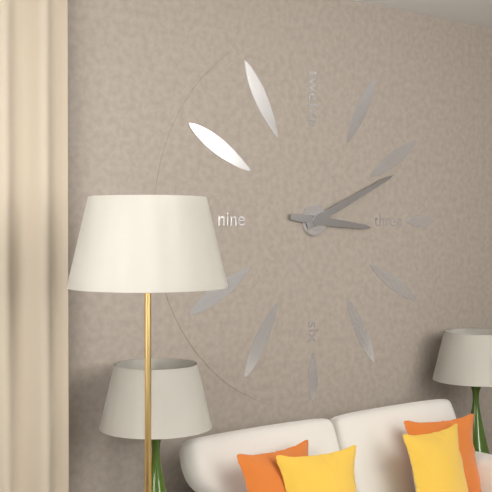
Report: 3:11
